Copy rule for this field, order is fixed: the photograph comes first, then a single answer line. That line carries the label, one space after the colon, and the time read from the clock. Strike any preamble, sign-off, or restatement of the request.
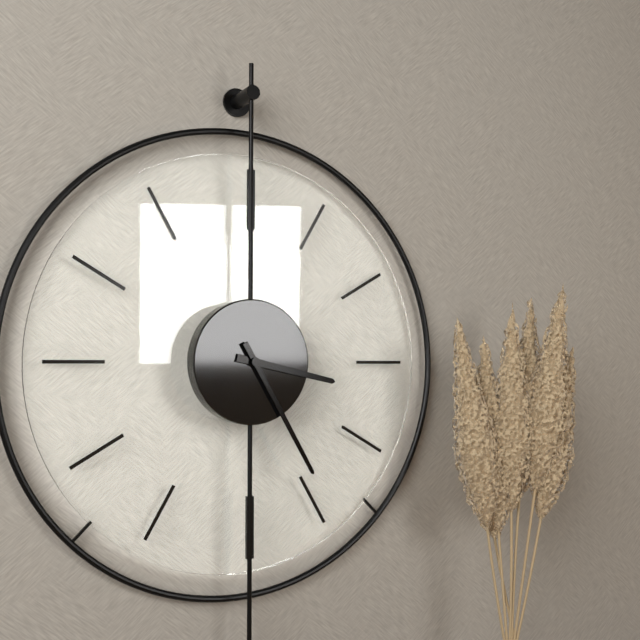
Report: 3:25
